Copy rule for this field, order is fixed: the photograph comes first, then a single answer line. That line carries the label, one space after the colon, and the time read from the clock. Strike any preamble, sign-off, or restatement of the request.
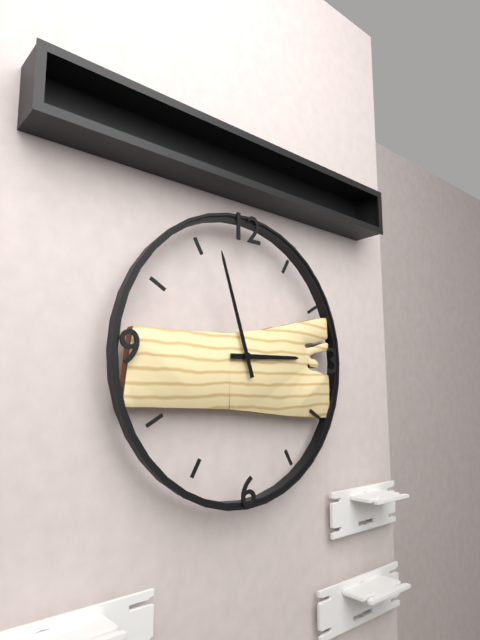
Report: 2:57
